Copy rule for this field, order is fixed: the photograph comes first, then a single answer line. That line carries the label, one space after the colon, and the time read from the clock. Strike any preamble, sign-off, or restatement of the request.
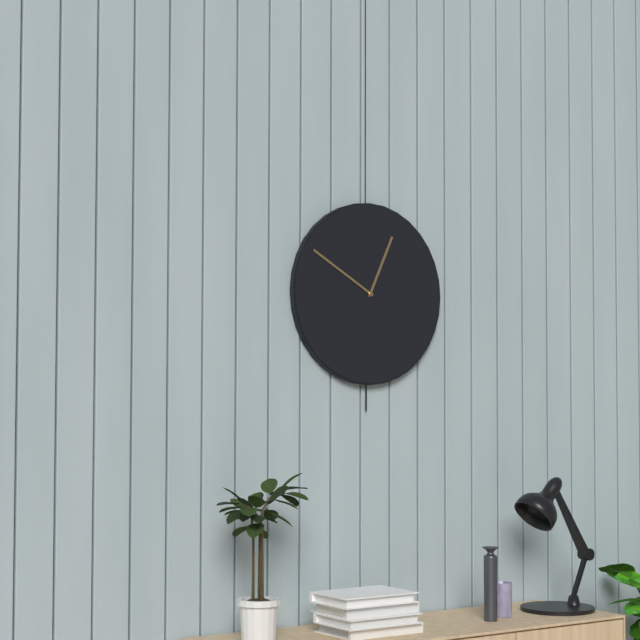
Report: 12:50
